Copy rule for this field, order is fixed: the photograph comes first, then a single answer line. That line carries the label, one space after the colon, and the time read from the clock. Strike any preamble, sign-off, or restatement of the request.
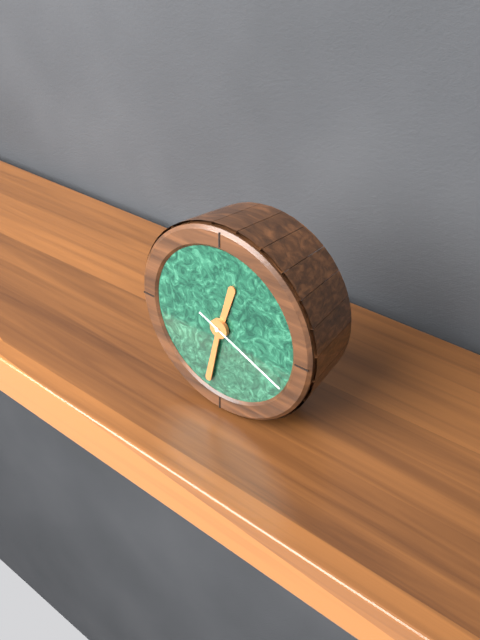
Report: 12:32:19
